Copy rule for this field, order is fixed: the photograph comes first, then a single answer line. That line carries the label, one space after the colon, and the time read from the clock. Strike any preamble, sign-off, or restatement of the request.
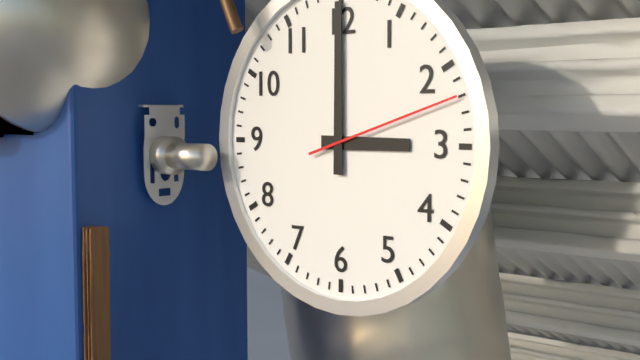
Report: 3:00:12
